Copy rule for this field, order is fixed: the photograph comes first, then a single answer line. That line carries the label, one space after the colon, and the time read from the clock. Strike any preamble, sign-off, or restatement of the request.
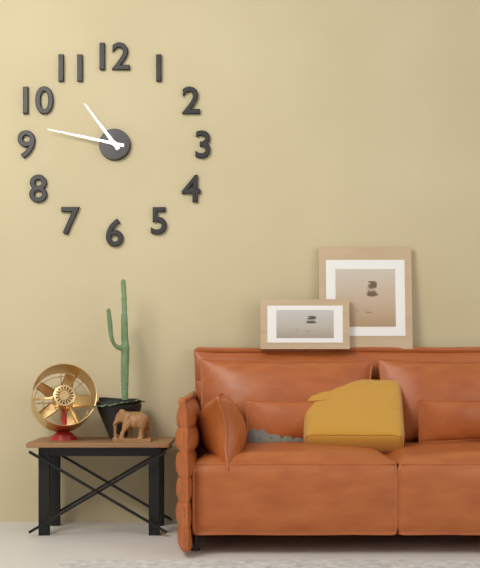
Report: 10:47
